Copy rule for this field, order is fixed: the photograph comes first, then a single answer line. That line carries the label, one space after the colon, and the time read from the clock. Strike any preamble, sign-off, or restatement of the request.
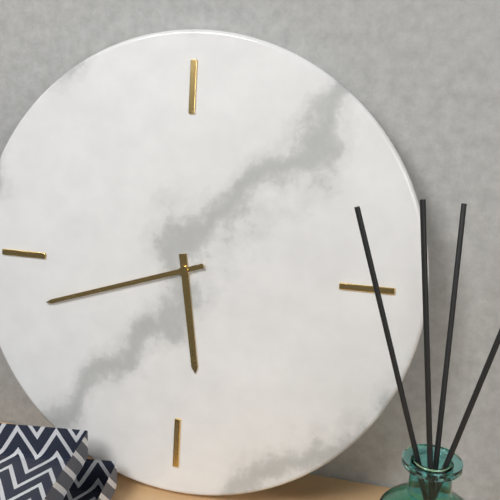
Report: 5:42
